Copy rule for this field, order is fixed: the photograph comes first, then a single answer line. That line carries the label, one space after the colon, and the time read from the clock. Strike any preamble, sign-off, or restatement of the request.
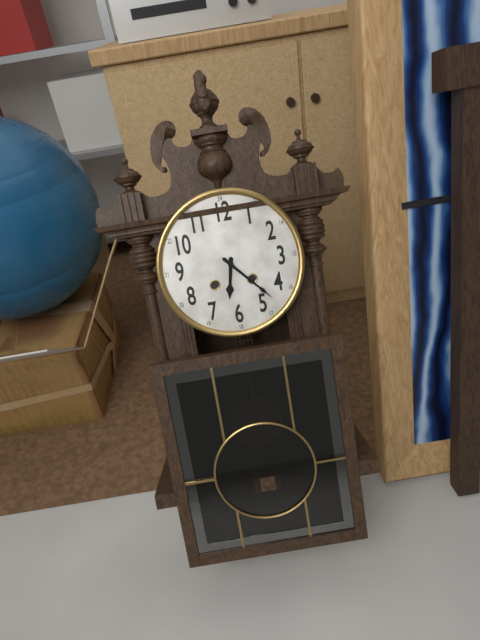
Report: 6:23
